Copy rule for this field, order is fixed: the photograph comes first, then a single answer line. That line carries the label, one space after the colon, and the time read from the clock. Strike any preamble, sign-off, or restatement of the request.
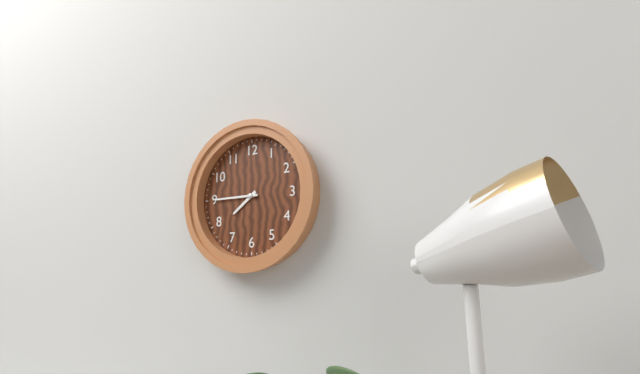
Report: 7:45
